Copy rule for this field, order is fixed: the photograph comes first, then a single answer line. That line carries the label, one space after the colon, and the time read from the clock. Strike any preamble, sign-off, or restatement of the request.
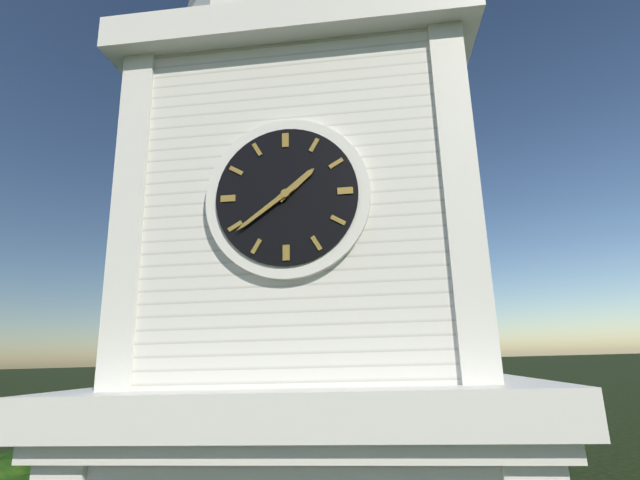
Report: 1:39
